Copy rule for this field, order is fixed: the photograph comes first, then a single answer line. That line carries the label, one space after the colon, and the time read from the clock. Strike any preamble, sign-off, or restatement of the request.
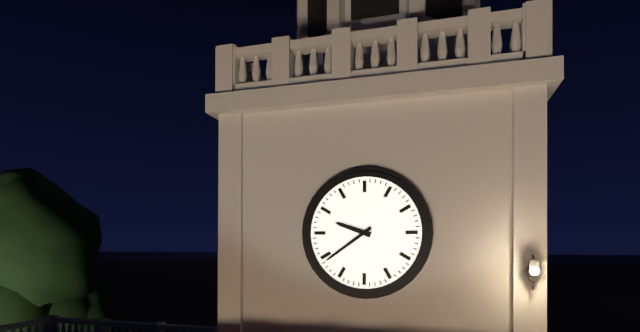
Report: 9:39
